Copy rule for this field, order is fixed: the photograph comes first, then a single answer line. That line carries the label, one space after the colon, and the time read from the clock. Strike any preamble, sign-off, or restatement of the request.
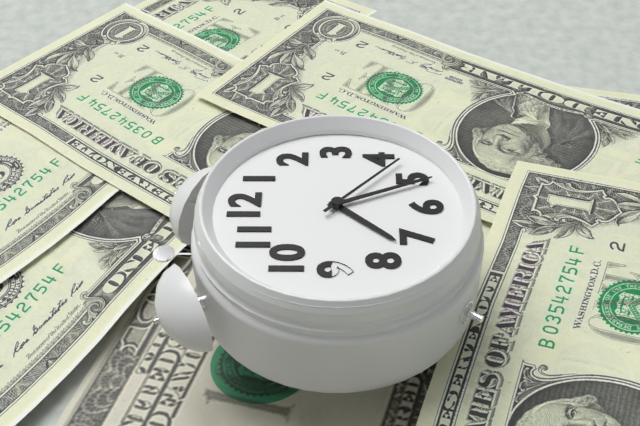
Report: 7:26:22
